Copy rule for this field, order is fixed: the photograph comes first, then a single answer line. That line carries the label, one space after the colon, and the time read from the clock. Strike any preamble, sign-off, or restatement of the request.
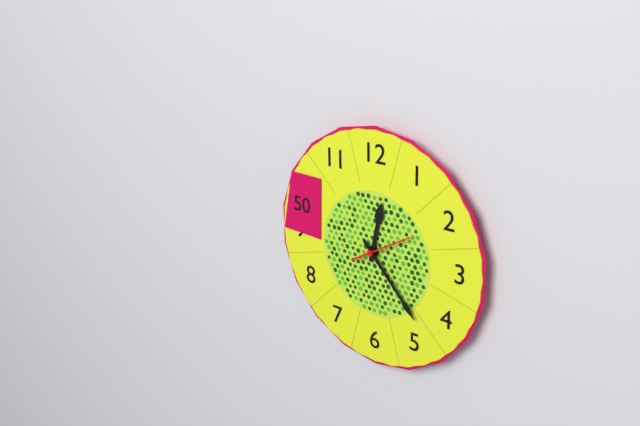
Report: 12:23:10
